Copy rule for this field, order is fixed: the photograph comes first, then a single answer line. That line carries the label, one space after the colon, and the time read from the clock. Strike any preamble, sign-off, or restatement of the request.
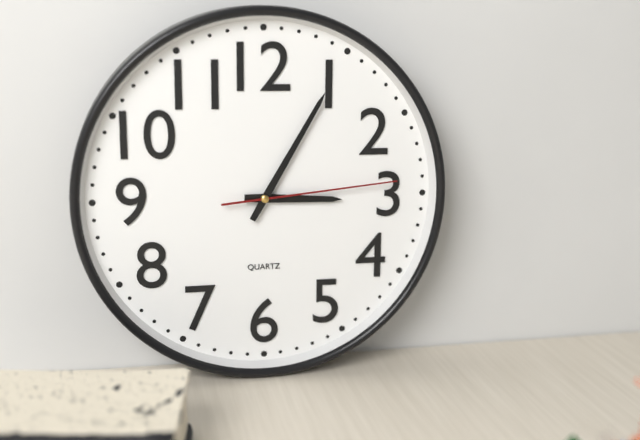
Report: 3:05:14
